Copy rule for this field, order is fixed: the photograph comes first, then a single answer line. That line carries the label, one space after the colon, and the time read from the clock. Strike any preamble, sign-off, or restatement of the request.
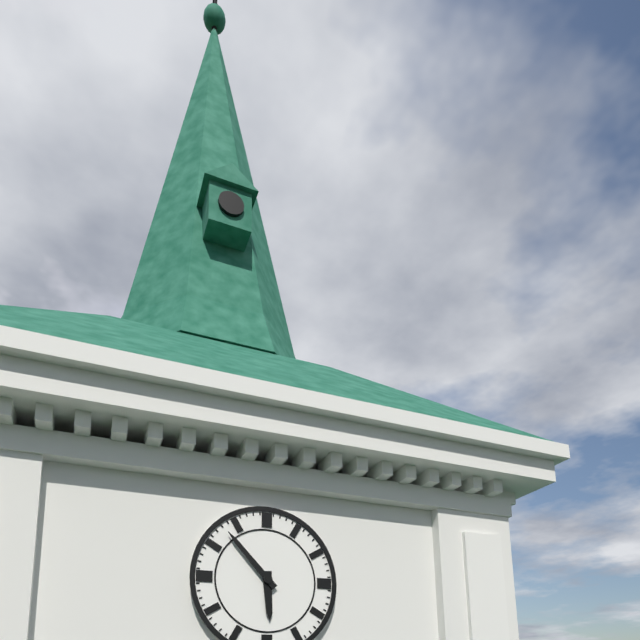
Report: 5:53
